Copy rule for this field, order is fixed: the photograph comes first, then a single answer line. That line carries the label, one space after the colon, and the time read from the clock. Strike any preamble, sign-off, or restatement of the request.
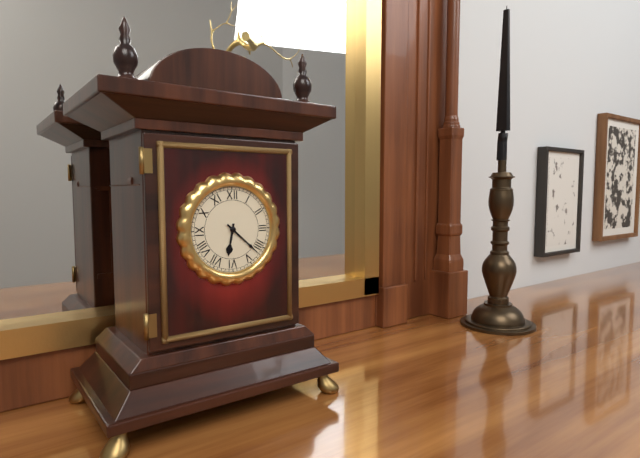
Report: 6:22
